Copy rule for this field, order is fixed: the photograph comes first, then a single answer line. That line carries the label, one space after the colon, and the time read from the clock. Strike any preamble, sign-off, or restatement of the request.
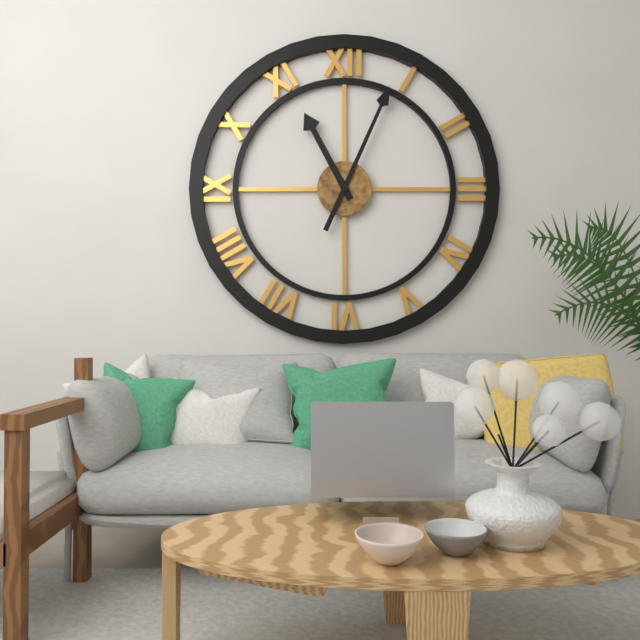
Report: 11:04
